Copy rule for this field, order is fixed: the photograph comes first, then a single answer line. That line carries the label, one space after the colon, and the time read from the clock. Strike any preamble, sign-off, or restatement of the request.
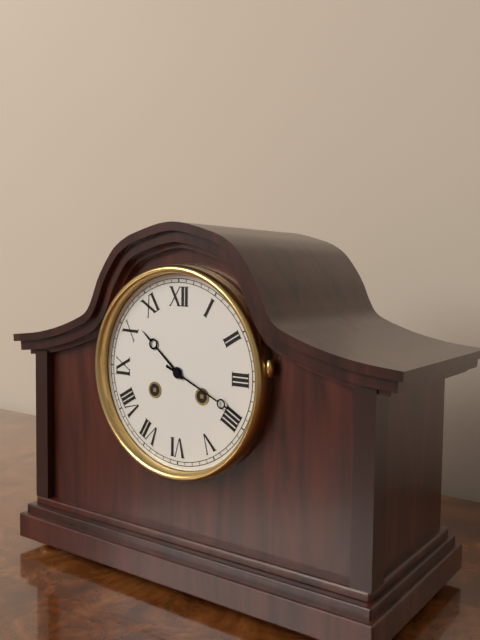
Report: 10:19
